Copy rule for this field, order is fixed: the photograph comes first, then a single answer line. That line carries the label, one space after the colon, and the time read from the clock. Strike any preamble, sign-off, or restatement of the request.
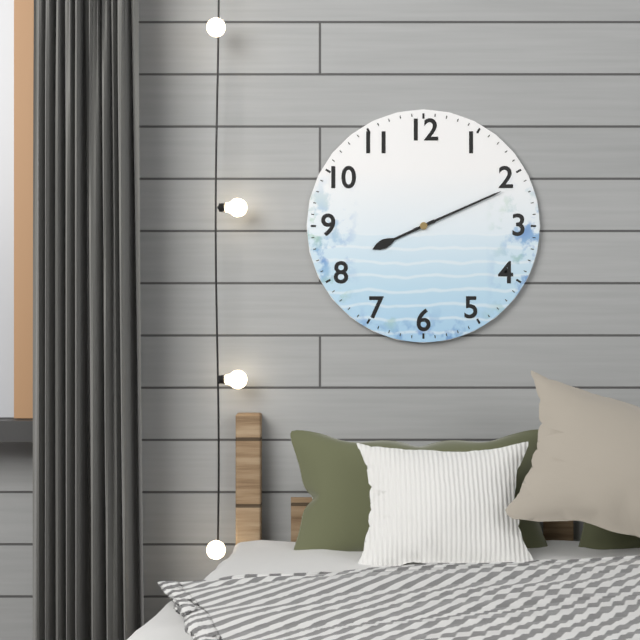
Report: 8:11
